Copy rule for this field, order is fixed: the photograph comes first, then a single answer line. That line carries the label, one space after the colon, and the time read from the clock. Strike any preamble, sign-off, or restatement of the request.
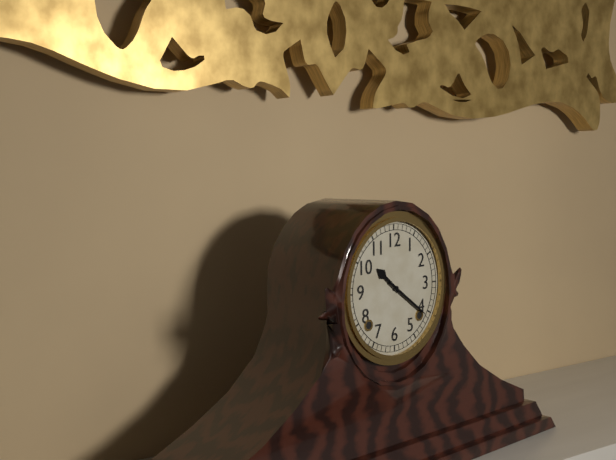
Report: 10:21
